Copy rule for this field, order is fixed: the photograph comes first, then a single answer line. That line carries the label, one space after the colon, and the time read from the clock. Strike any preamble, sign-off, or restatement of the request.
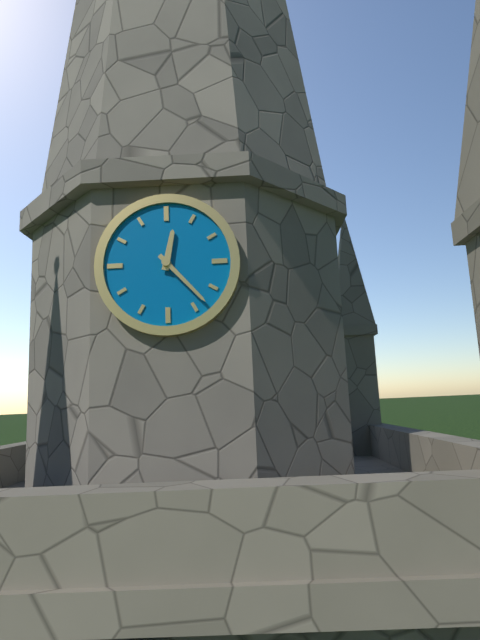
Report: 12:23
